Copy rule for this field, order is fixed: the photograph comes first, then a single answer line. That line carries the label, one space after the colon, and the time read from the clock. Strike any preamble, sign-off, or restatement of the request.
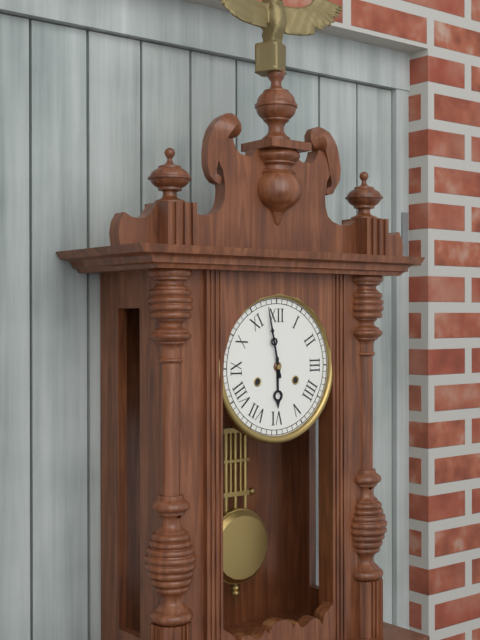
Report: 5:58
